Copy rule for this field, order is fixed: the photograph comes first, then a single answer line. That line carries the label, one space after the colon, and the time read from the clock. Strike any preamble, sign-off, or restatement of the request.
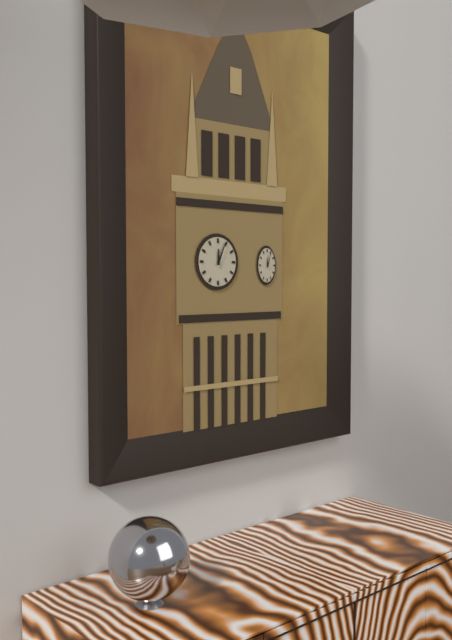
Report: 12:04
